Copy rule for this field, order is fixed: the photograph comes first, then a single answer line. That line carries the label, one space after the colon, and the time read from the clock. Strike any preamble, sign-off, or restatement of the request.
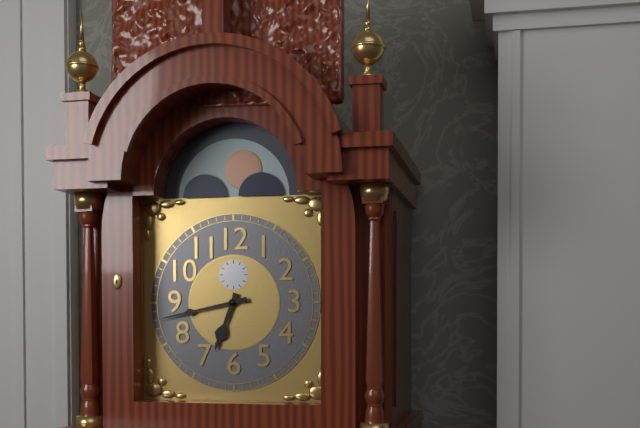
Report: 6:43
